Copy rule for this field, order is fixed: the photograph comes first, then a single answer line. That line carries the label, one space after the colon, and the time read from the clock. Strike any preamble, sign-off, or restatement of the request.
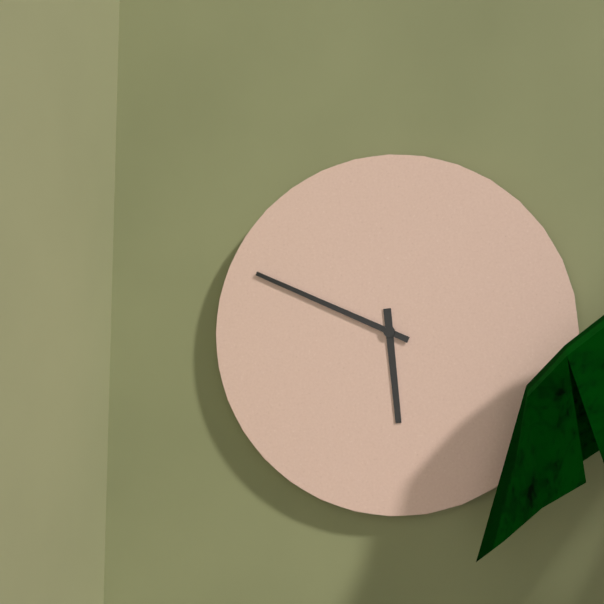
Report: 5:49
